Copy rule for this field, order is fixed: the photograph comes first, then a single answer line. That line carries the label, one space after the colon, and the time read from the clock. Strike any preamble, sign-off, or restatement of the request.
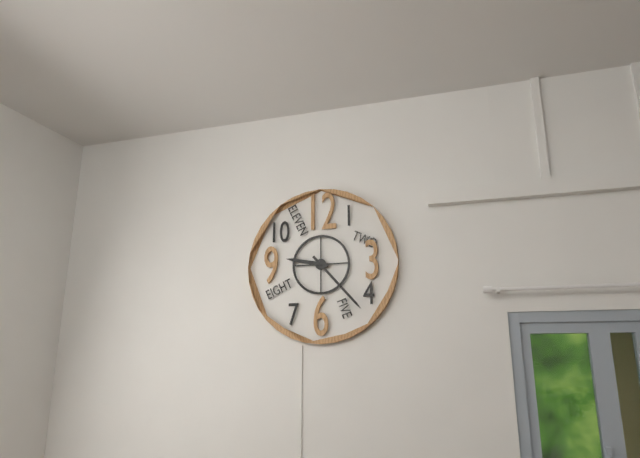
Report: 9:23
